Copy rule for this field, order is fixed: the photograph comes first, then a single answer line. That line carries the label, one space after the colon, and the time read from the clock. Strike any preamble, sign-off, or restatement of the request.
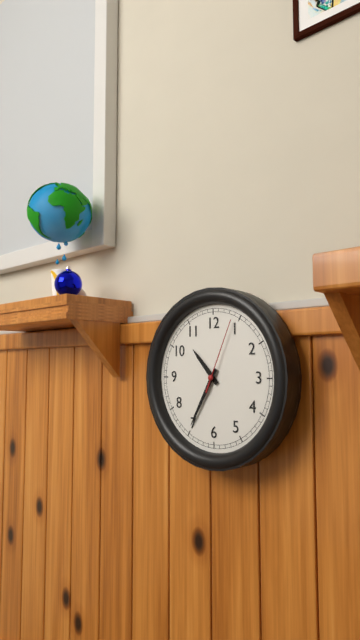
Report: 10:35:04
